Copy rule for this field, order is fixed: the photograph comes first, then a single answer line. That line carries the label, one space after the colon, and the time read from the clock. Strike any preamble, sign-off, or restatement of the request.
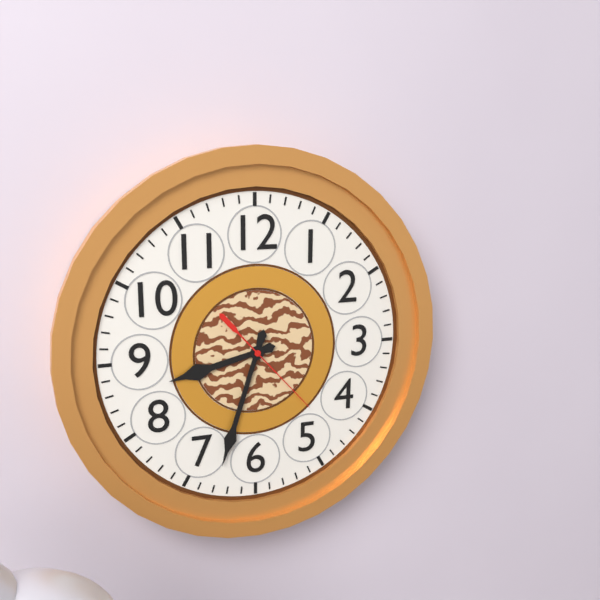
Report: 8:33:23
